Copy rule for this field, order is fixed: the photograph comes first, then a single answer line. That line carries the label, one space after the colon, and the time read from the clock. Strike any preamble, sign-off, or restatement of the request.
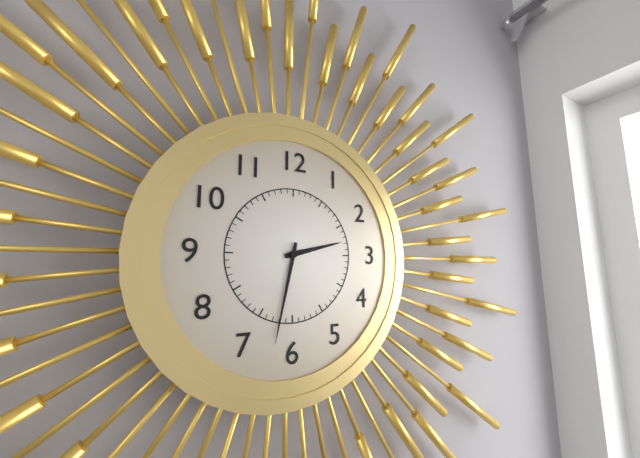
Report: 2:32
